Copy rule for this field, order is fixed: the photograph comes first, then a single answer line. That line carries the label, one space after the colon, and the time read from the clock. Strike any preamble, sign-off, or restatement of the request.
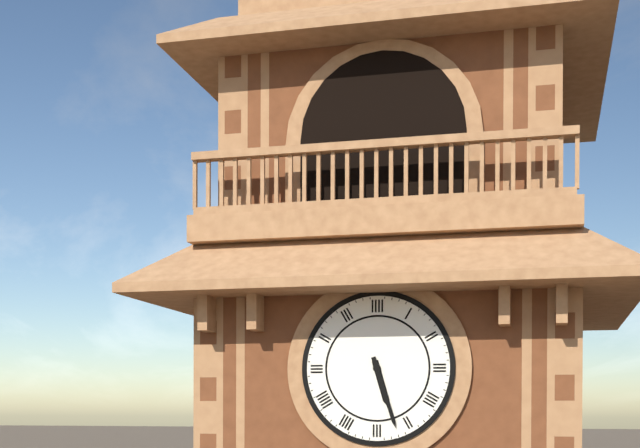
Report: 5:27
